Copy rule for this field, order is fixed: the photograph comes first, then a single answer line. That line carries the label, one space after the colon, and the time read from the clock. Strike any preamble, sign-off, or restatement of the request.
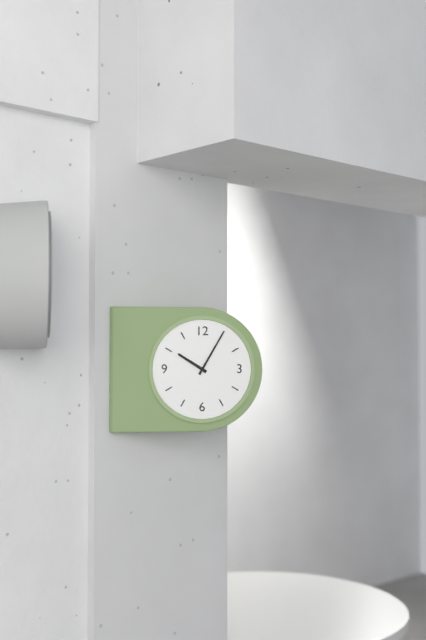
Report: 10:05
